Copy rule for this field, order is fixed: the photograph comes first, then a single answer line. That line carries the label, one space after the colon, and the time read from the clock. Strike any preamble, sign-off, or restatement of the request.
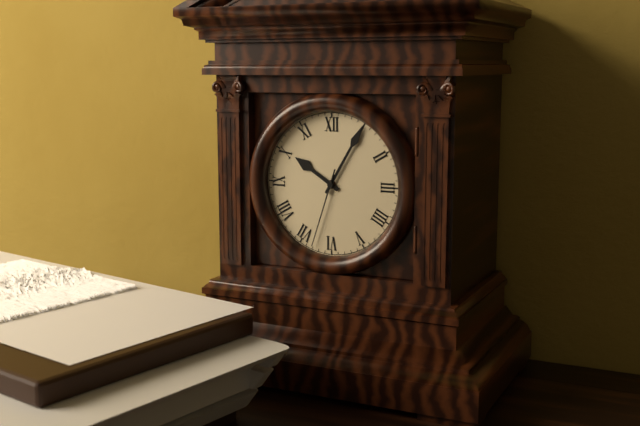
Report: 10:05:33
